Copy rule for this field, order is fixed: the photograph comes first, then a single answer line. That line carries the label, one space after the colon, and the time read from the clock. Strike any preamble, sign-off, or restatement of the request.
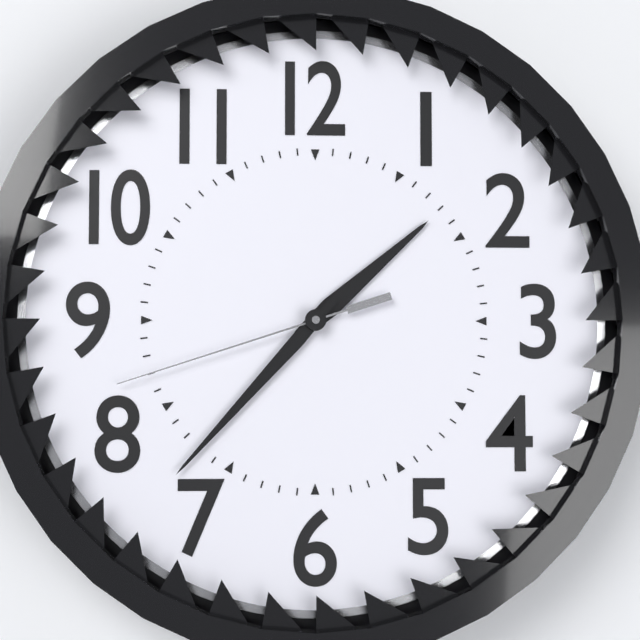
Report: 1:37:42
